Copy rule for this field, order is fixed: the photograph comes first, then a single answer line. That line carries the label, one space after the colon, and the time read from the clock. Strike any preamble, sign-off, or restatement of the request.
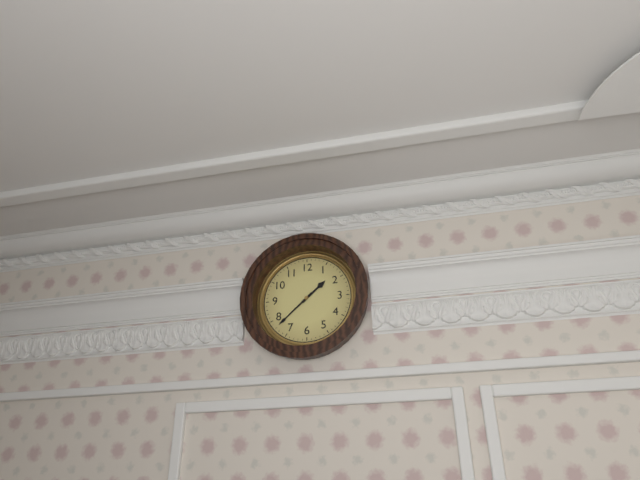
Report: 1:38
